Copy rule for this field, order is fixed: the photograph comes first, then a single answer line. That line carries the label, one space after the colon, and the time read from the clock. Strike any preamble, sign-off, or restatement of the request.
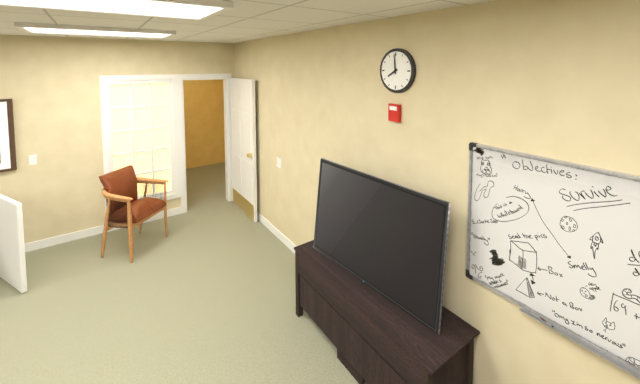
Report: 7:59
